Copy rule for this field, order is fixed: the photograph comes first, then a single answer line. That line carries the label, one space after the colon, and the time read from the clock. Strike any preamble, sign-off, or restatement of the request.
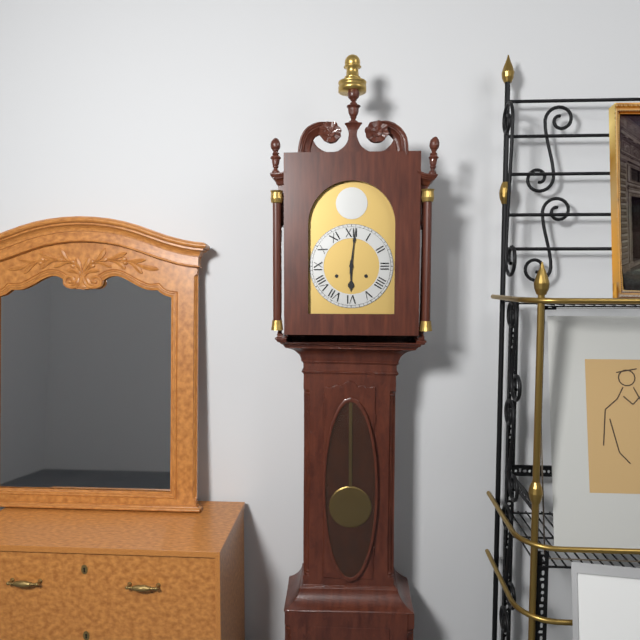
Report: 6:01
